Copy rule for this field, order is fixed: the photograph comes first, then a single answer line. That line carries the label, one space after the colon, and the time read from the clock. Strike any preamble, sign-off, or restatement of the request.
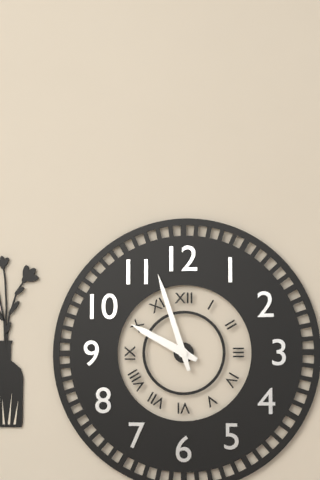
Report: 9:57
